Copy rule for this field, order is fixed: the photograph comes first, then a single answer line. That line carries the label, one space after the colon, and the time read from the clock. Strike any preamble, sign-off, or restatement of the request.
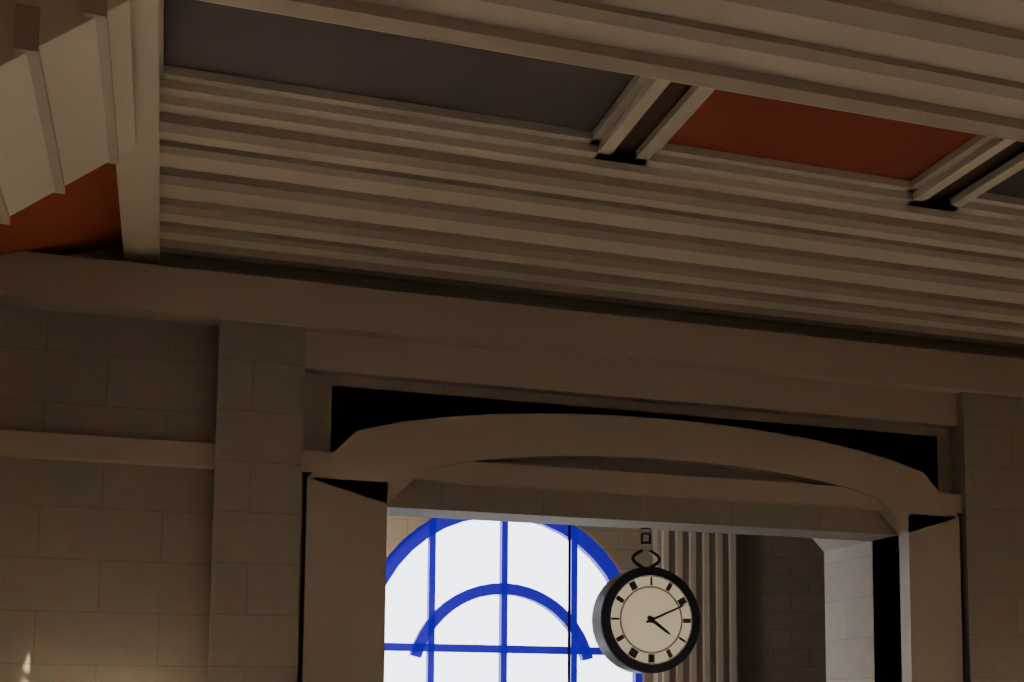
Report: 4:11
